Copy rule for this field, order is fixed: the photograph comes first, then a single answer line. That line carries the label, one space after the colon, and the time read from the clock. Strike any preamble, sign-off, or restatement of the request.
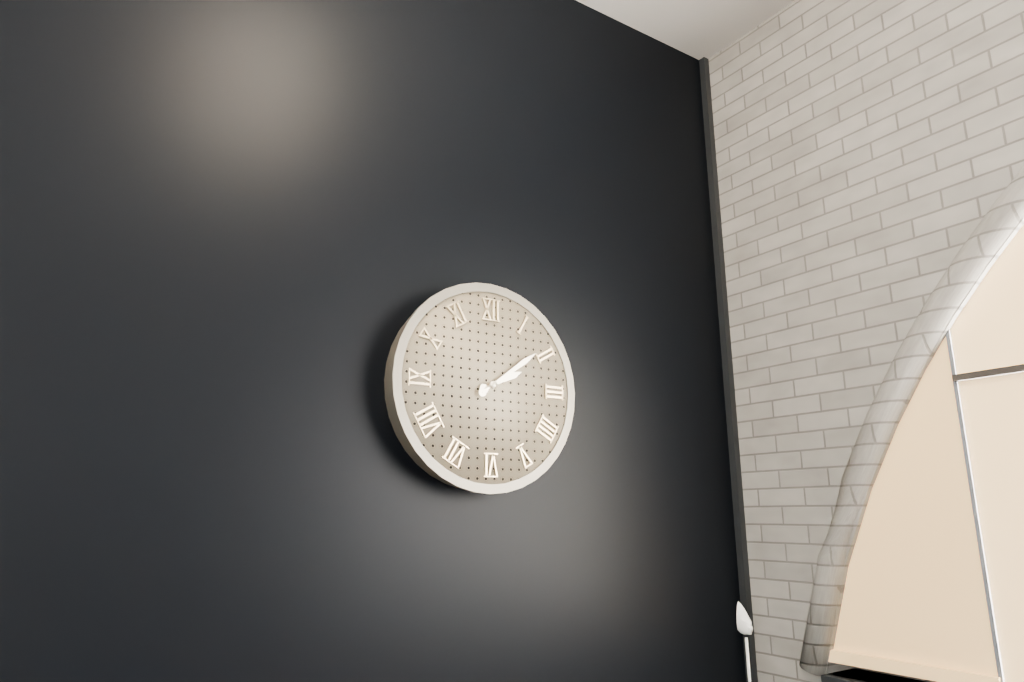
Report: 2:09
